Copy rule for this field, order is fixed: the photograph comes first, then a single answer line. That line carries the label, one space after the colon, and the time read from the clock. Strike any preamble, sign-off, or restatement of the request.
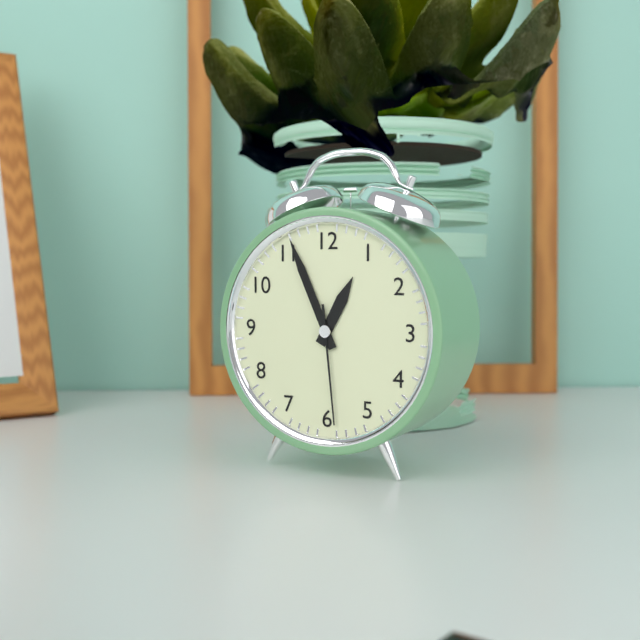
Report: 12:56:29
